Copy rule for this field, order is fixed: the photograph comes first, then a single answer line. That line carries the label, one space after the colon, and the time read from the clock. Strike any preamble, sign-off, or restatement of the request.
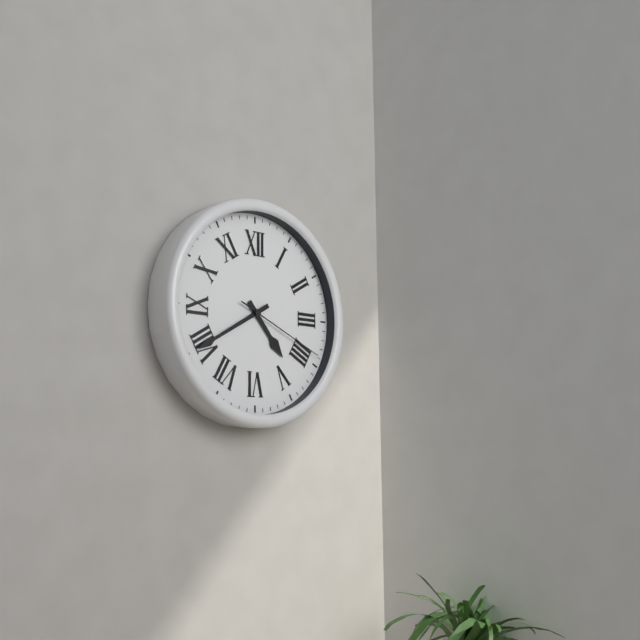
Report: 4:40:19
